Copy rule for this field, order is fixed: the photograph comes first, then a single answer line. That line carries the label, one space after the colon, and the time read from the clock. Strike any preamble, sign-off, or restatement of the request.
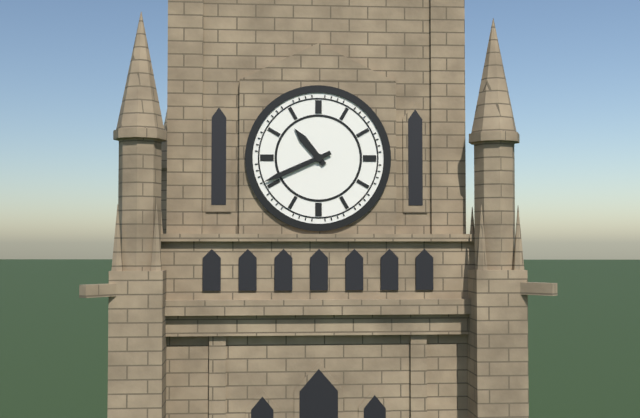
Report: 10:41
